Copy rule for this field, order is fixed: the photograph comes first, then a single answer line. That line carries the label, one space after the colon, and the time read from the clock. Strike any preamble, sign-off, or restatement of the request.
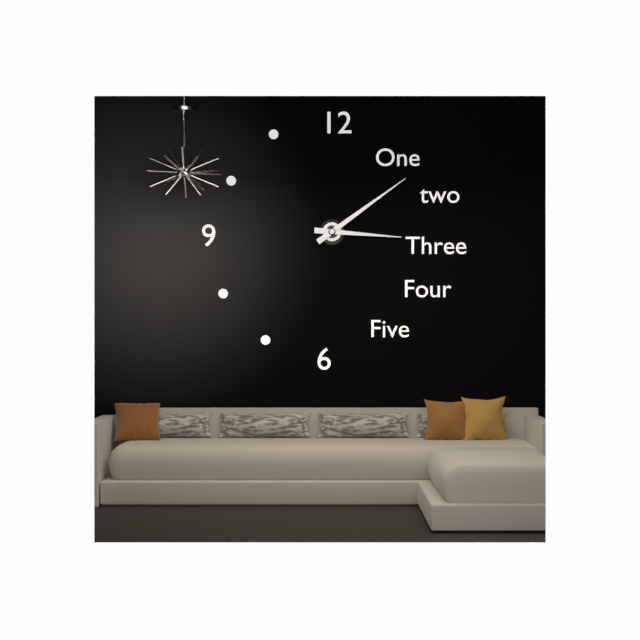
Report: 3:09
